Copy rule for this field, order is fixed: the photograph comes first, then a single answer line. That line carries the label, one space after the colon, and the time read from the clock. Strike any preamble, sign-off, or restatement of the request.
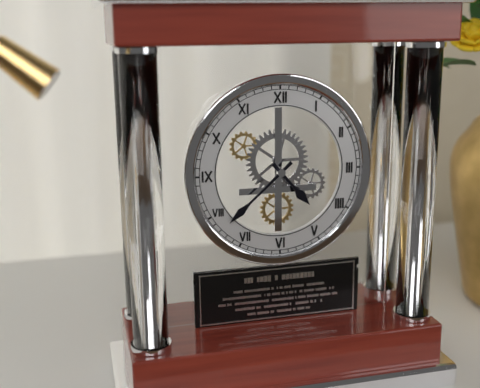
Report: 4:38
